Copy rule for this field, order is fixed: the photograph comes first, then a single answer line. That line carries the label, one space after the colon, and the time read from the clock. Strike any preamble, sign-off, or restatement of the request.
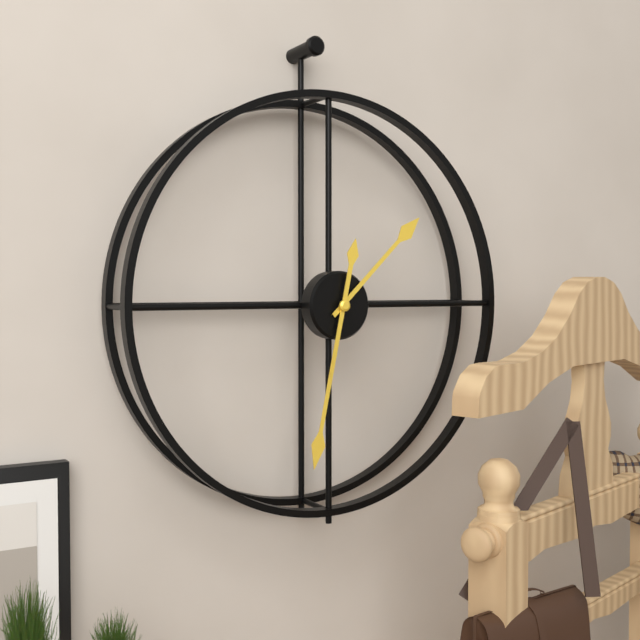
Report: 1:32
